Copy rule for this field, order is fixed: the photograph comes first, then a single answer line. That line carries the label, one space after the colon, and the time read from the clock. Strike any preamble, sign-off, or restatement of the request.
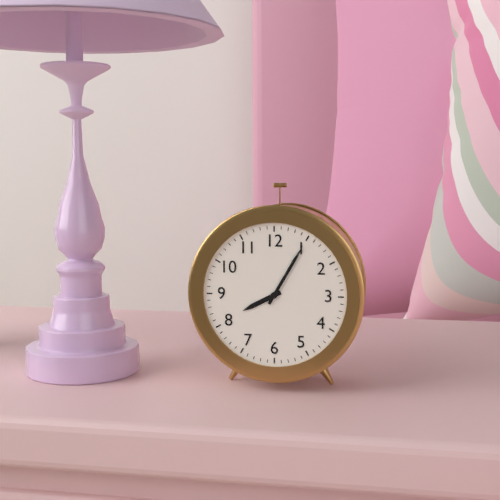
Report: 8:05
